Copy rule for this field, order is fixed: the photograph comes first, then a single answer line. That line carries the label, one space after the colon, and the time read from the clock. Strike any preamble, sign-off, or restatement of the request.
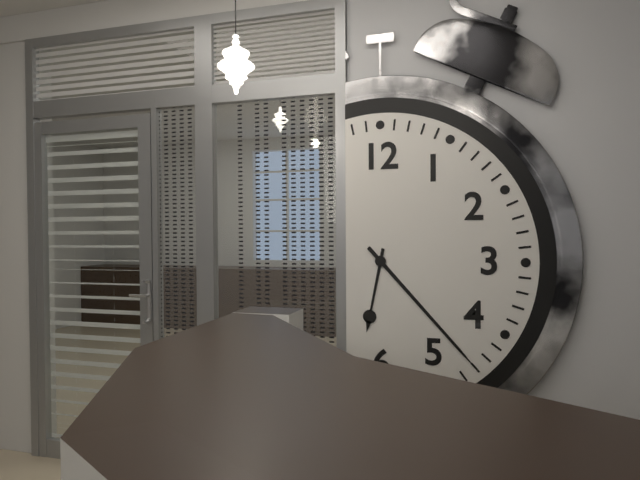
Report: 6:23
